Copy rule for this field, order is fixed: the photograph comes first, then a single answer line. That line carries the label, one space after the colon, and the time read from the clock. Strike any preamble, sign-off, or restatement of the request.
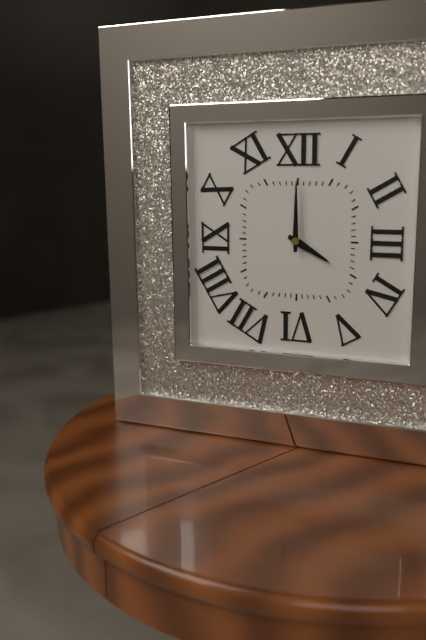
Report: 4:00
